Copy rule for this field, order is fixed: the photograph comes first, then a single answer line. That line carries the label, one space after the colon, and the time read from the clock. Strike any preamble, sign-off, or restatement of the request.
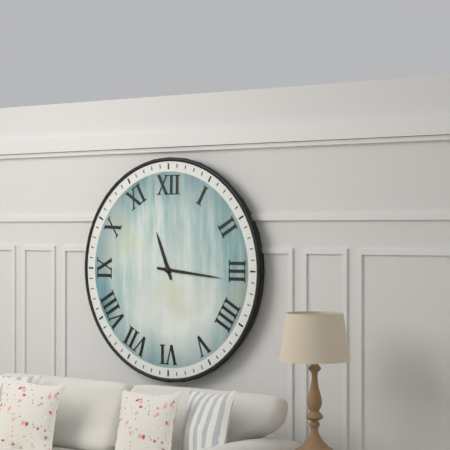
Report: 11:16
